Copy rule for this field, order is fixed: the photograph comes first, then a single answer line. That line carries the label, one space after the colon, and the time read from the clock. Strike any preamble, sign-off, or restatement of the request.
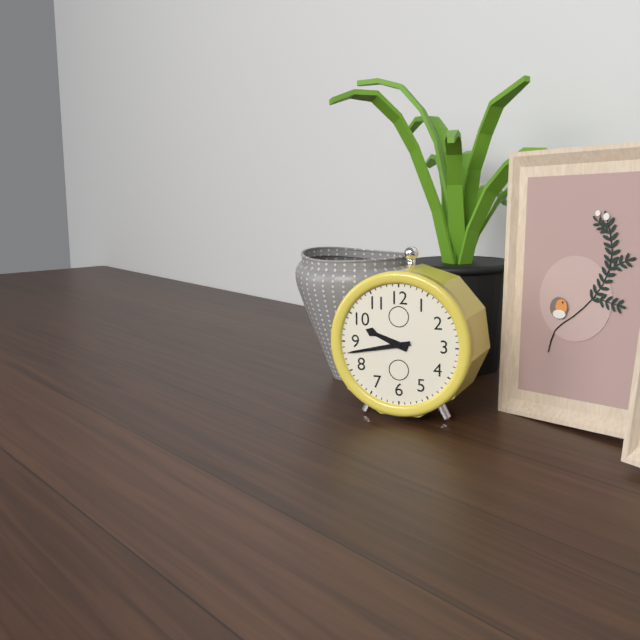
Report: 9:43
